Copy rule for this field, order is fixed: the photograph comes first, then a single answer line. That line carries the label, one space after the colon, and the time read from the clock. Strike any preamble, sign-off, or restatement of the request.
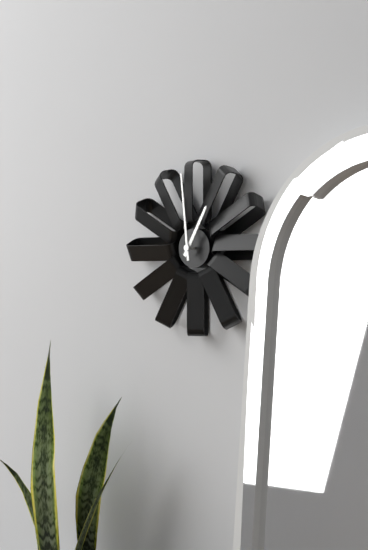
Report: 12:59
